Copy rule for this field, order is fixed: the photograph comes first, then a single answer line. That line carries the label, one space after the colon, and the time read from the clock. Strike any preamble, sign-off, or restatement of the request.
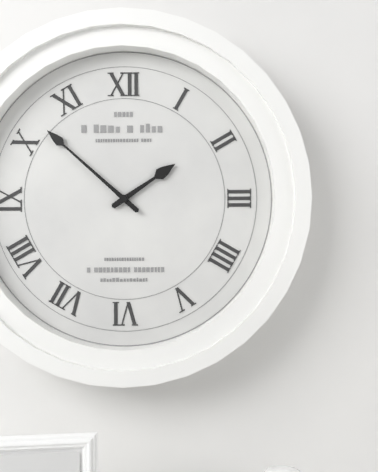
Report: 1:52
